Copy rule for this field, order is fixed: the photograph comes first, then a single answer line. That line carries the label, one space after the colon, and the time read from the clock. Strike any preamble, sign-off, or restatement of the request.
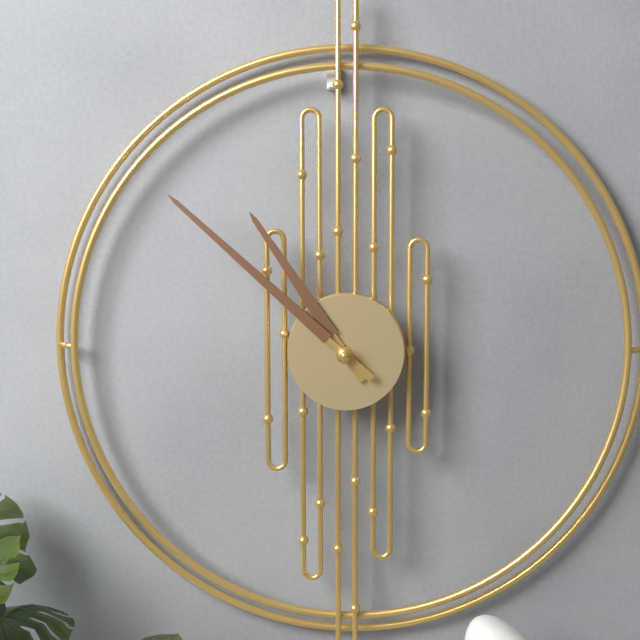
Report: 10:52
